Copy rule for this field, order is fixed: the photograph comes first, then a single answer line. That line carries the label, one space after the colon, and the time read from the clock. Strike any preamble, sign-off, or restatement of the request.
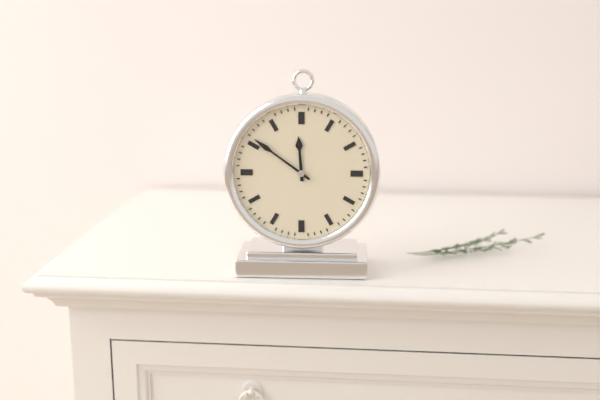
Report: 11:51
